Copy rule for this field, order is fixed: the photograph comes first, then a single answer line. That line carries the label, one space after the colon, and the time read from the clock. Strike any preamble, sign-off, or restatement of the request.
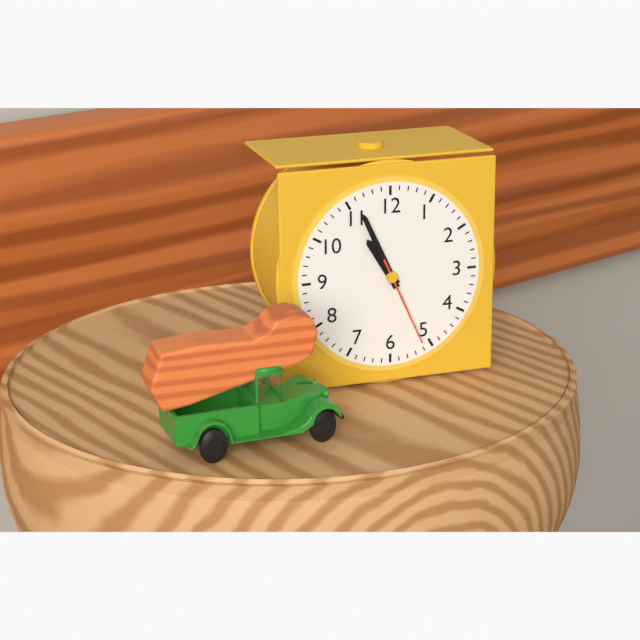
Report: 10:56:26
